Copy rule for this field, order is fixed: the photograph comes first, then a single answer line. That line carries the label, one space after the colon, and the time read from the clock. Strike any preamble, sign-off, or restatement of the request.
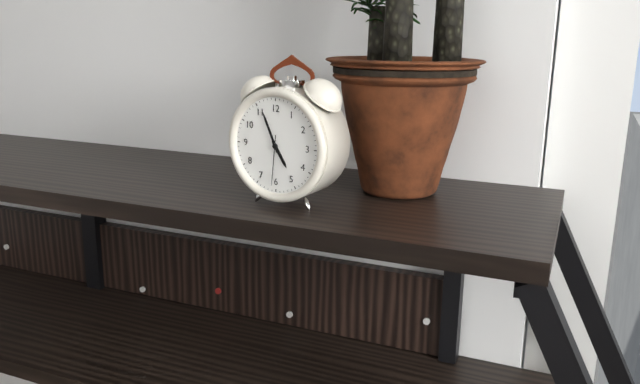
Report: 4:56
